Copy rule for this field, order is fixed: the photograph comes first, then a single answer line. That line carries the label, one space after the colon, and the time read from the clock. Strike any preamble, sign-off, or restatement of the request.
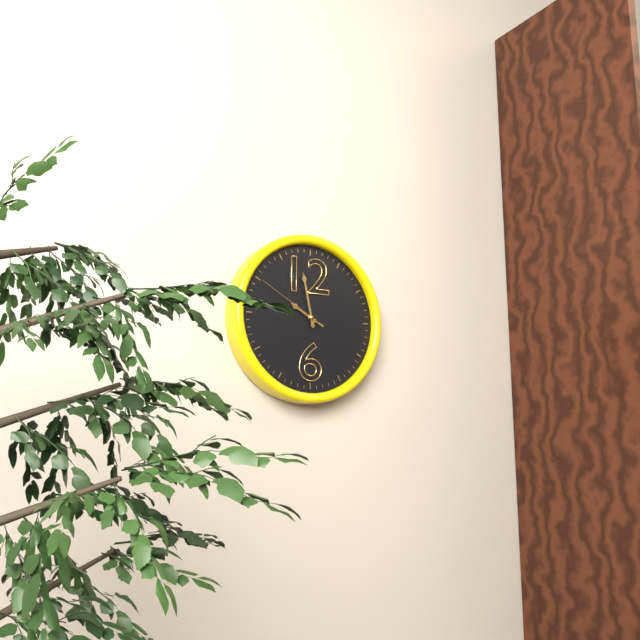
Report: 9:58:50
